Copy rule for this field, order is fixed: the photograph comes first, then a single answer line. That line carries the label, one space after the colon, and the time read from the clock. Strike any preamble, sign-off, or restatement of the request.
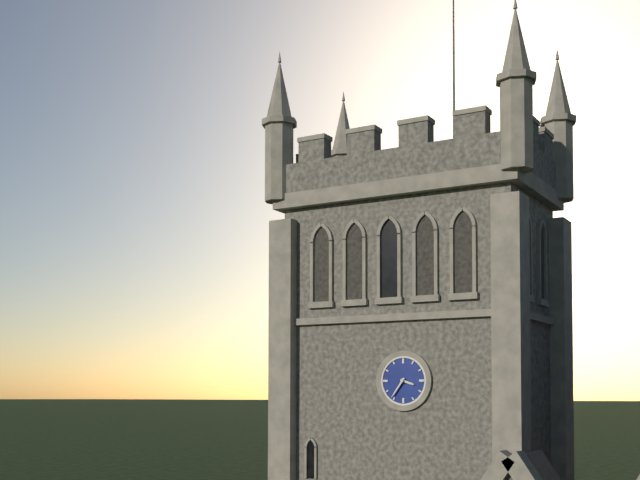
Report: 3:36
